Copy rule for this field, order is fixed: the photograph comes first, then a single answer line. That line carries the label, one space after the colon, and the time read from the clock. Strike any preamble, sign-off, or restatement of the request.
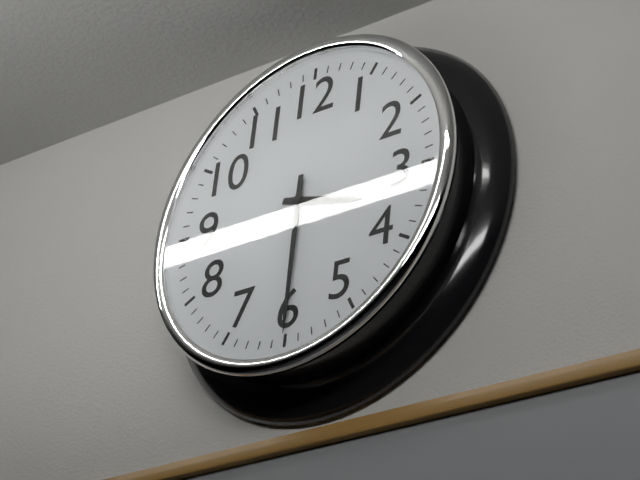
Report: 3:30
